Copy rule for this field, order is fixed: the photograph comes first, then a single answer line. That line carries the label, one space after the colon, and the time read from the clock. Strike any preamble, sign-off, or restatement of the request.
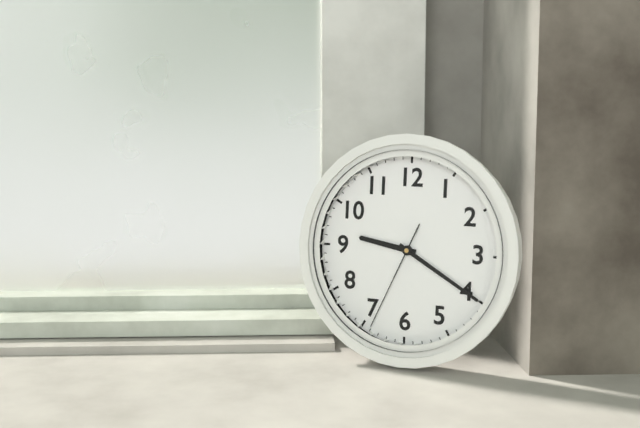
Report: 9:20:34
